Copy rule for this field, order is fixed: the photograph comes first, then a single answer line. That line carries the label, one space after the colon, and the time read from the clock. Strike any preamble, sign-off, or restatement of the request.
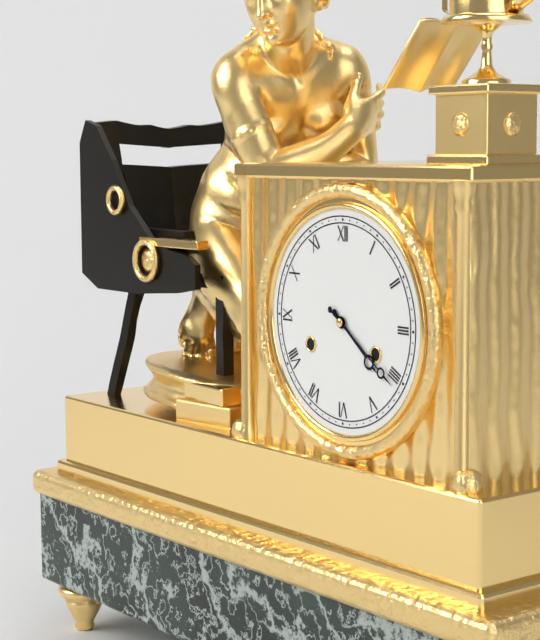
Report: 4:21
